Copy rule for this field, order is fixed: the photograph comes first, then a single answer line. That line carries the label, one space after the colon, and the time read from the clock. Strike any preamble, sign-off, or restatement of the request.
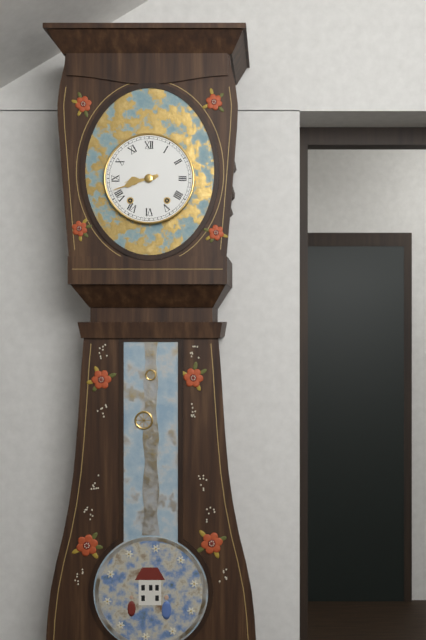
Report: 8:42
